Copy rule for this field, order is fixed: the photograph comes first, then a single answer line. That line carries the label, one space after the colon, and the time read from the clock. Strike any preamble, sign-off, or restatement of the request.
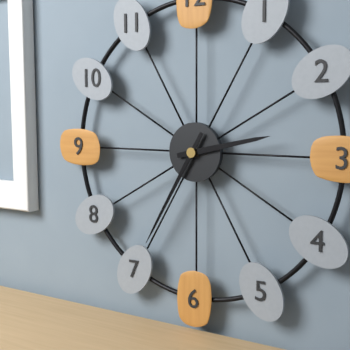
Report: 2:35
